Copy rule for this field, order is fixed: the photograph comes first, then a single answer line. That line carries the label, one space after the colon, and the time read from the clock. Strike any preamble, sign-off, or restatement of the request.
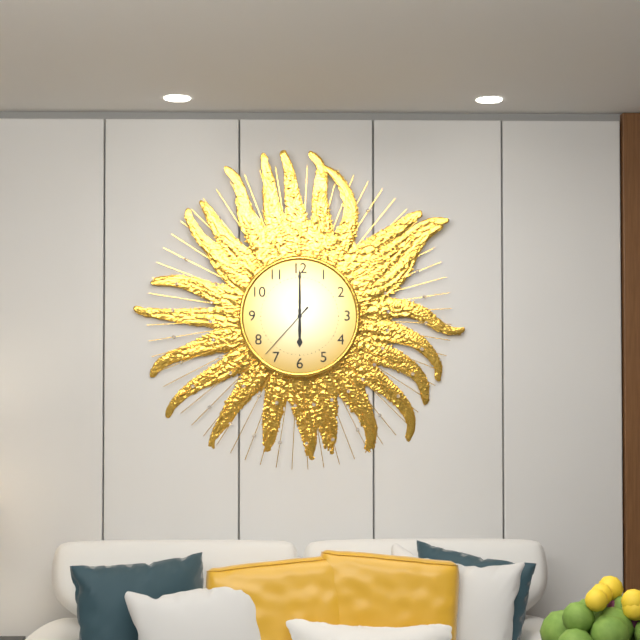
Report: 6:00:37
